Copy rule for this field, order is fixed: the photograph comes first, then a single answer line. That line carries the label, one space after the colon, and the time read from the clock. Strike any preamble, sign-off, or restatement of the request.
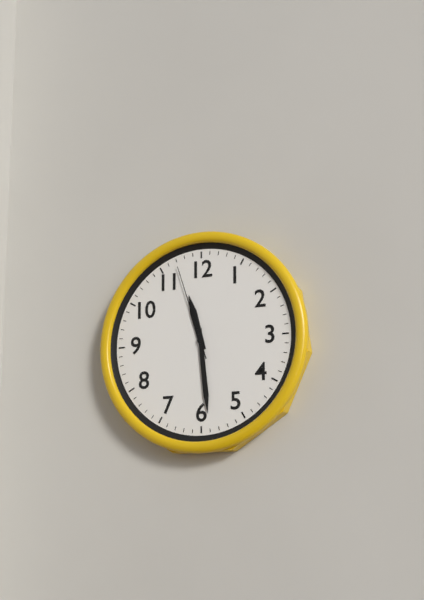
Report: 11:29:57
